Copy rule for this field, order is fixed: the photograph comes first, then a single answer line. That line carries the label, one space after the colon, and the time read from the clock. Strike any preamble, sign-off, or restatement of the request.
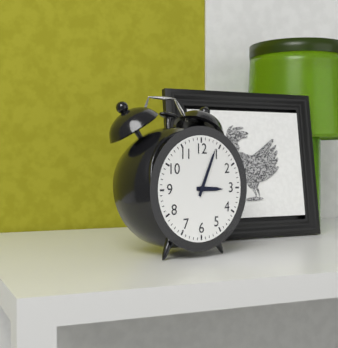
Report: 3:04
